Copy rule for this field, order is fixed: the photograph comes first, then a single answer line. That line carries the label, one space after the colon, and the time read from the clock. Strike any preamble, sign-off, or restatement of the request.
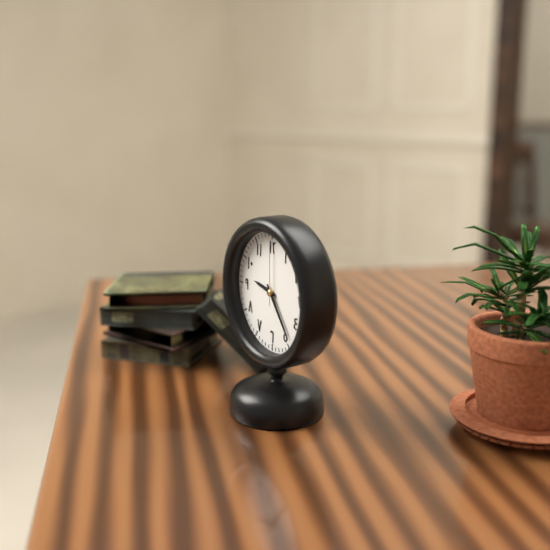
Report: 9:24:00
